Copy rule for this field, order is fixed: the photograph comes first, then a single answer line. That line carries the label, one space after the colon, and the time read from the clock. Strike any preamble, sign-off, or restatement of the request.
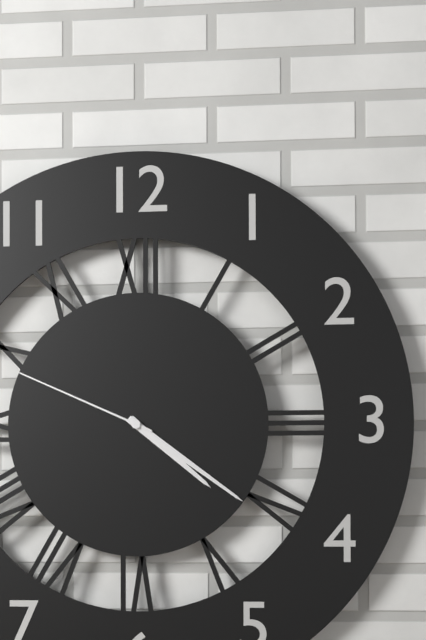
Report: 4:21:49
